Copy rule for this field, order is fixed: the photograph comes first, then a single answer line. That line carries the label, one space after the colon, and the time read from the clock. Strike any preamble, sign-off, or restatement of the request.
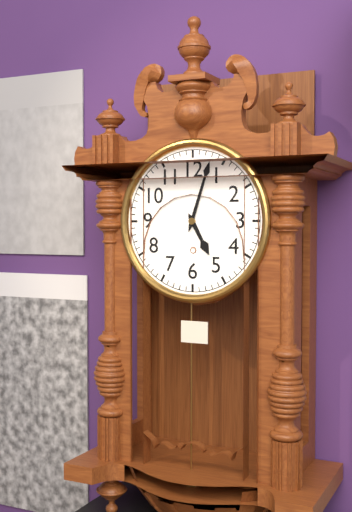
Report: 5:03
